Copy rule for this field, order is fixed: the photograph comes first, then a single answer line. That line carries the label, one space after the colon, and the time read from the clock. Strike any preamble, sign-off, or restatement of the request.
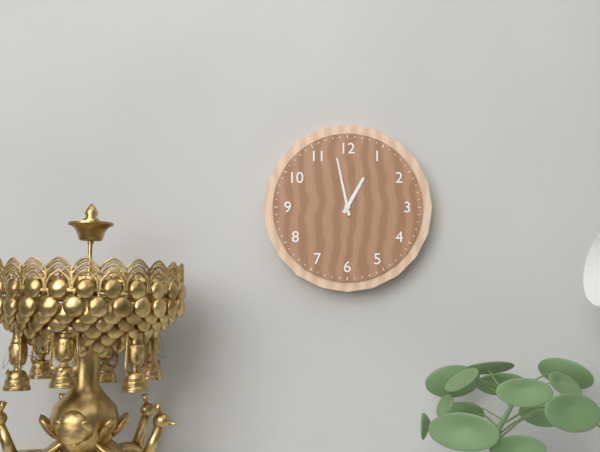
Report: 12:58
